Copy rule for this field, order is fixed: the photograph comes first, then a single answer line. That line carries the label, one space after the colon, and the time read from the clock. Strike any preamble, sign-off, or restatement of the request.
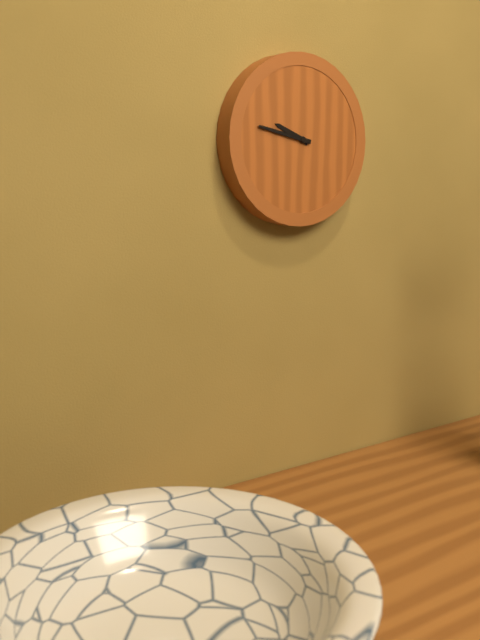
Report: 9:47
